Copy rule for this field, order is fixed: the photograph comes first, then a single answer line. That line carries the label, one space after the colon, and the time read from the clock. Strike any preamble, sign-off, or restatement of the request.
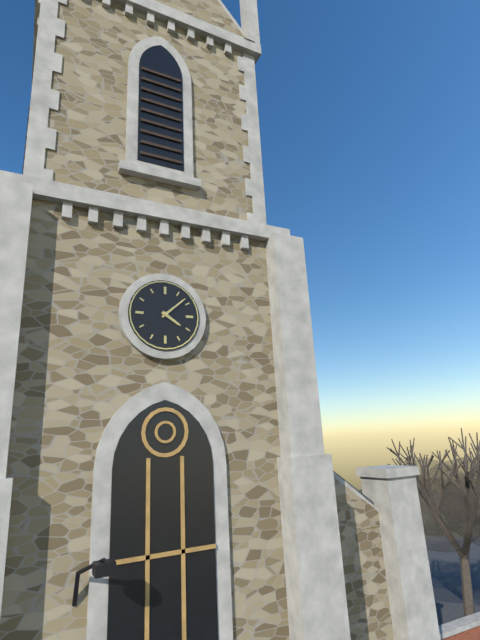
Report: 4:08
